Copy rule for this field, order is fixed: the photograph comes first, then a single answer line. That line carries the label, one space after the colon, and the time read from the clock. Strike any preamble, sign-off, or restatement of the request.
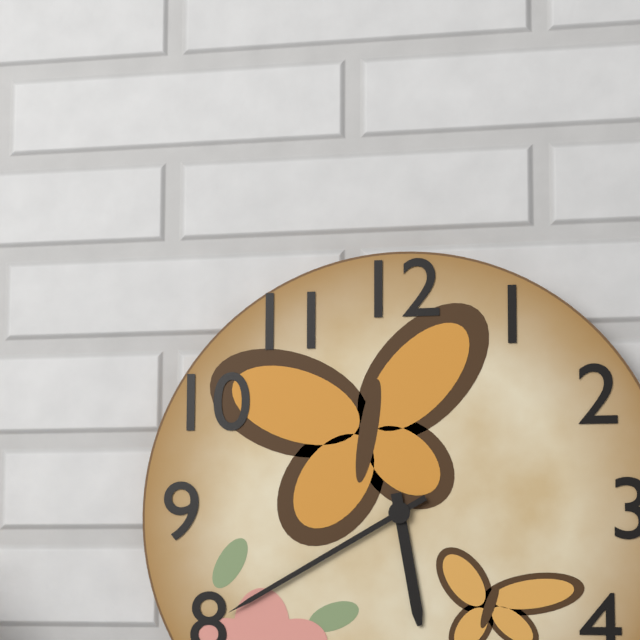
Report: 5:40
